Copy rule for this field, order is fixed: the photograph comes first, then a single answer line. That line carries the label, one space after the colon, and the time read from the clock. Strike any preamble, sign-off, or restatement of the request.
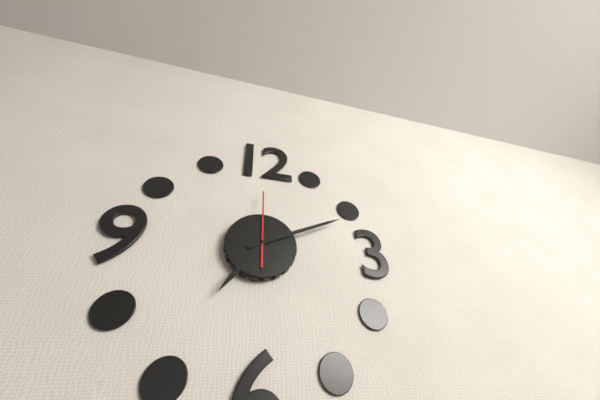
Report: 7:11:00
